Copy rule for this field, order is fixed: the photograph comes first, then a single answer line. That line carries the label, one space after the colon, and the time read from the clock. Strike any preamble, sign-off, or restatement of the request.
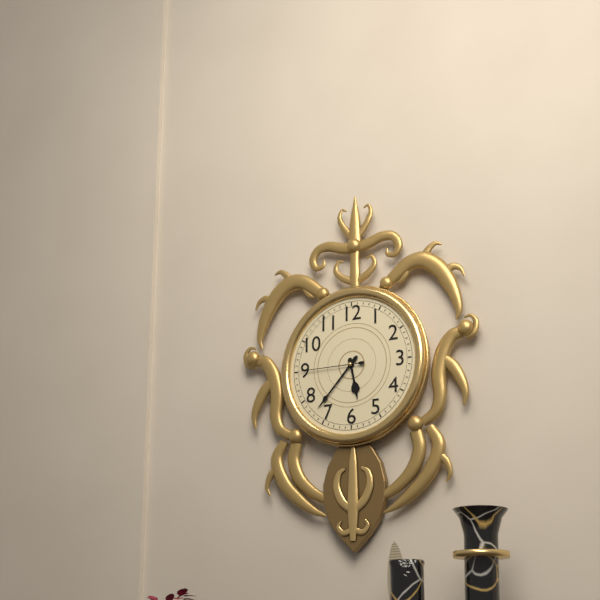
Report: 5:37:45
